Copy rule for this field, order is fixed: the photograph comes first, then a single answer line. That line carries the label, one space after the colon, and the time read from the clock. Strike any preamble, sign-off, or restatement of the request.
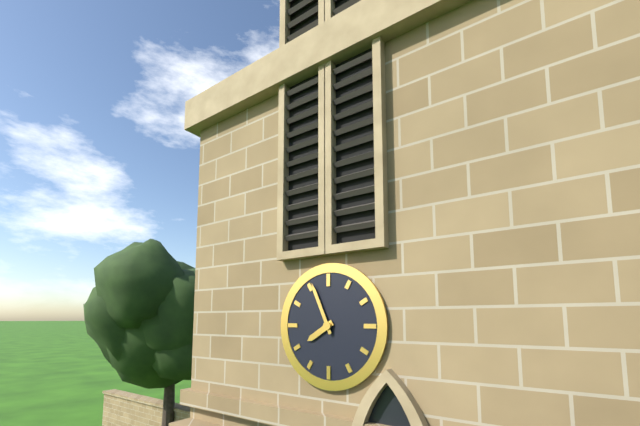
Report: 7:56
